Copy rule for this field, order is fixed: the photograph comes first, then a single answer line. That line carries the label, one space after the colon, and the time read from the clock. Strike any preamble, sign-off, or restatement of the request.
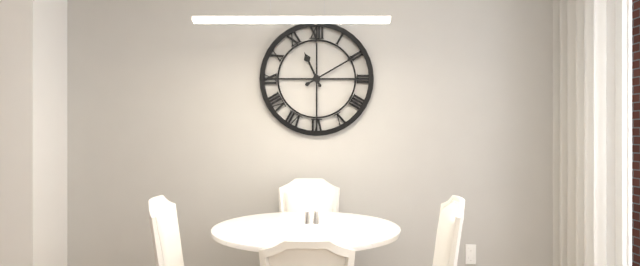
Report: 11:10
